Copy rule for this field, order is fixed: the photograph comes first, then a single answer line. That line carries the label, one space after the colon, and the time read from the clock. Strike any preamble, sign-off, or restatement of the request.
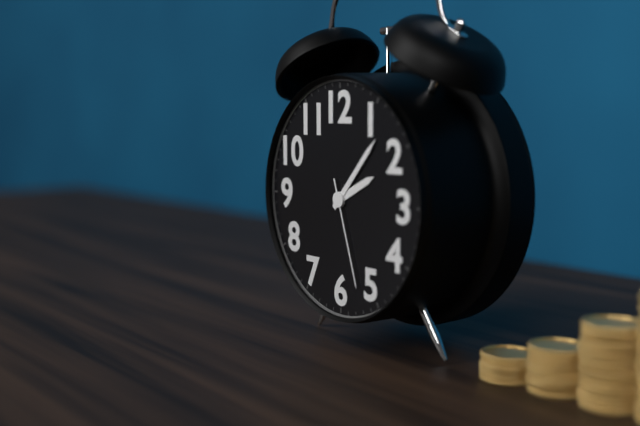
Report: 2:07:27
